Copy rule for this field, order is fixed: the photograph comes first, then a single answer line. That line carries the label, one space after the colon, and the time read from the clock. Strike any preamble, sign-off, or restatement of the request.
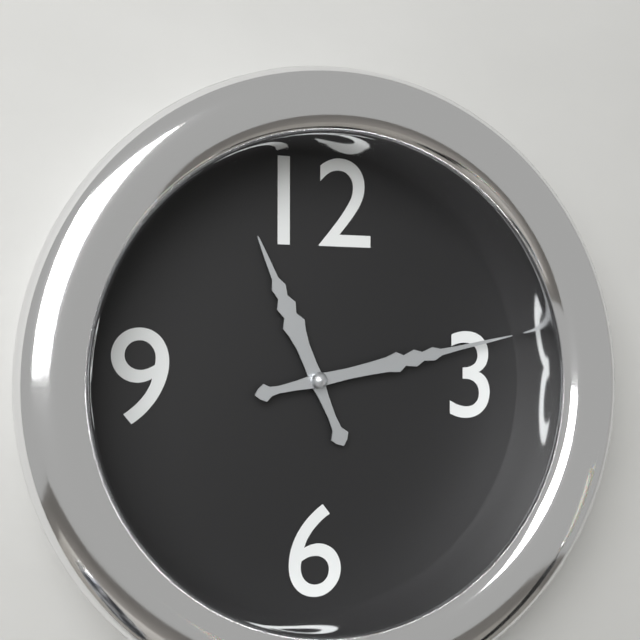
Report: 11:13
